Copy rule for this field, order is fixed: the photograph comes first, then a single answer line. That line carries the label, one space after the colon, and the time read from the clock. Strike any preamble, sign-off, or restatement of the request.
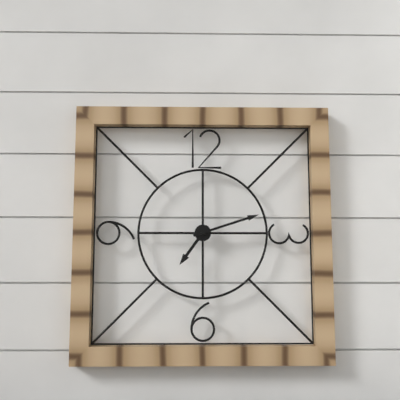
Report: 7:12
